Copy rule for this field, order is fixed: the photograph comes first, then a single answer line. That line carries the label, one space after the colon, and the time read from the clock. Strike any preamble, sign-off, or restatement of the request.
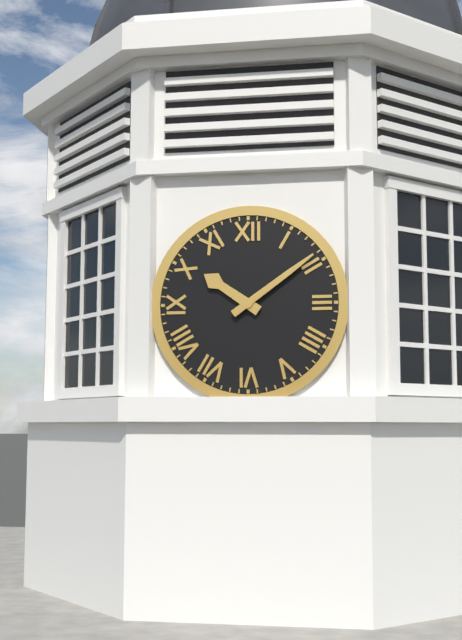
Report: 10:09
